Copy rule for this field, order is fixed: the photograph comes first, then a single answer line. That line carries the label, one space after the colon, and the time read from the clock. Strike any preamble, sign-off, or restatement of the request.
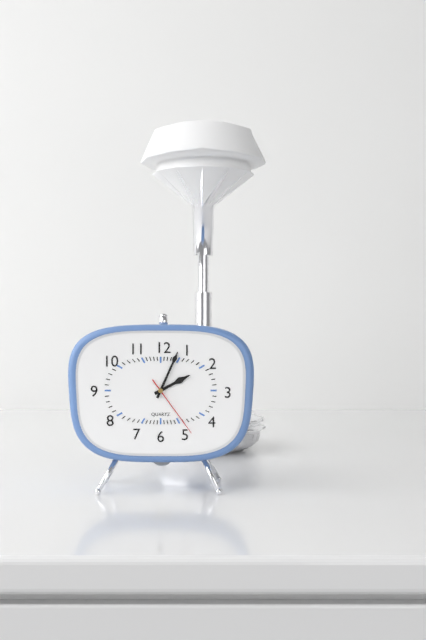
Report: 2:04:24
